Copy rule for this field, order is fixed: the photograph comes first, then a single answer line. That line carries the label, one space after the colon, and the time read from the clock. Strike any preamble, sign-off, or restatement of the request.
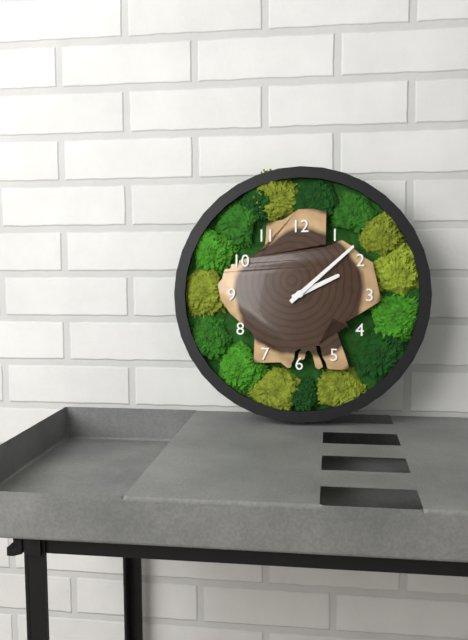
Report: 2:08
